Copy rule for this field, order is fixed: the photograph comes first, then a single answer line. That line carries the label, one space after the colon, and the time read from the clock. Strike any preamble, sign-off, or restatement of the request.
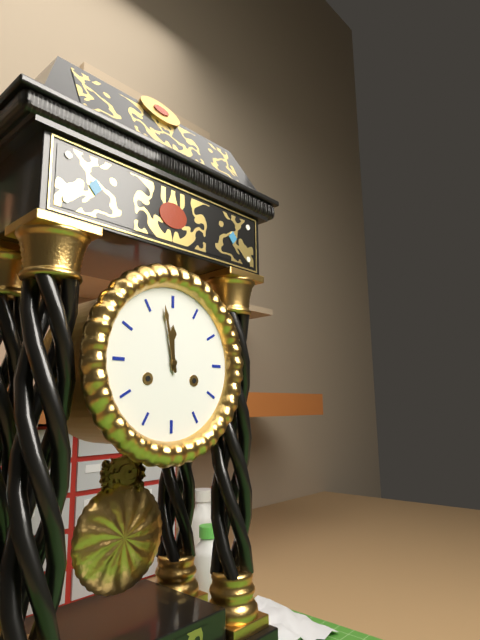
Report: 11:58
